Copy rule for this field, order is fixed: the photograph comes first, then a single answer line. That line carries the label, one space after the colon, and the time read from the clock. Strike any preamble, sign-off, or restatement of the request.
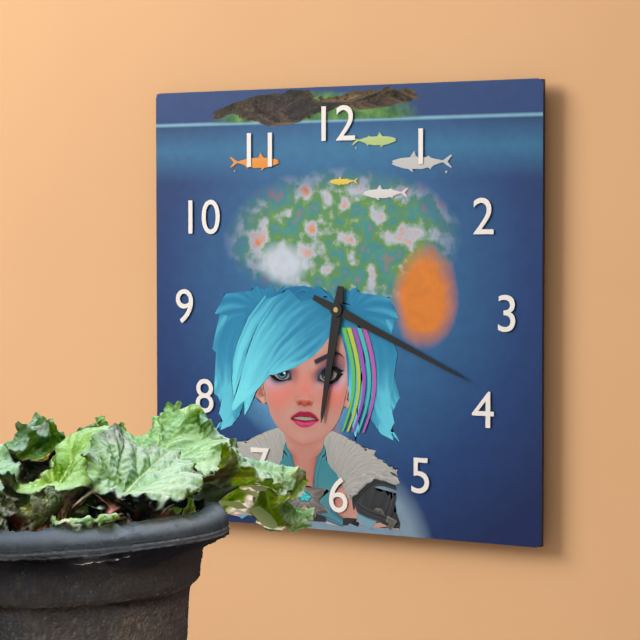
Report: 6:19
